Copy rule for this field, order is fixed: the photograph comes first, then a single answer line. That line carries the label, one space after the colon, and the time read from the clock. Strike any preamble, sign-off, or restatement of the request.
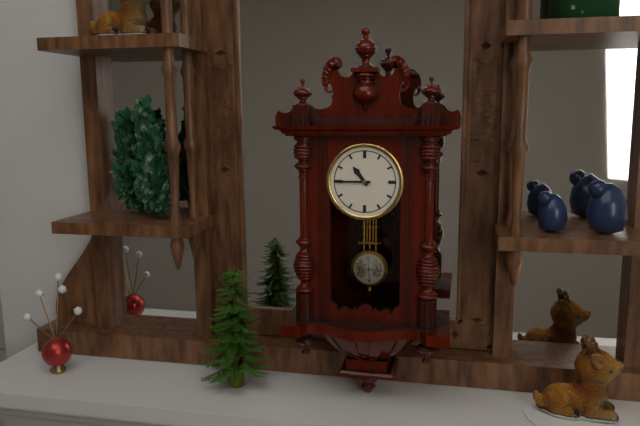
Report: 10:45
